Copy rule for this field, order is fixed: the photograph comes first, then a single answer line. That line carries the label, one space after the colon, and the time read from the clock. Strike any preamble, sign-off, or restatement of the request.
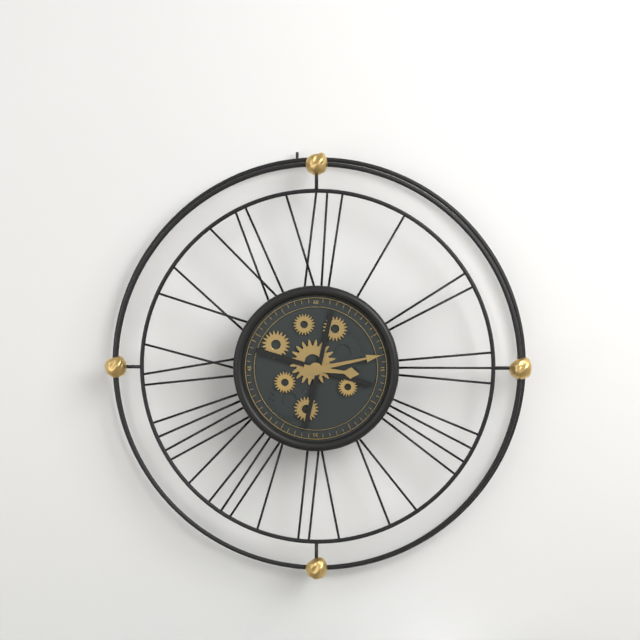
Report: 3:13
